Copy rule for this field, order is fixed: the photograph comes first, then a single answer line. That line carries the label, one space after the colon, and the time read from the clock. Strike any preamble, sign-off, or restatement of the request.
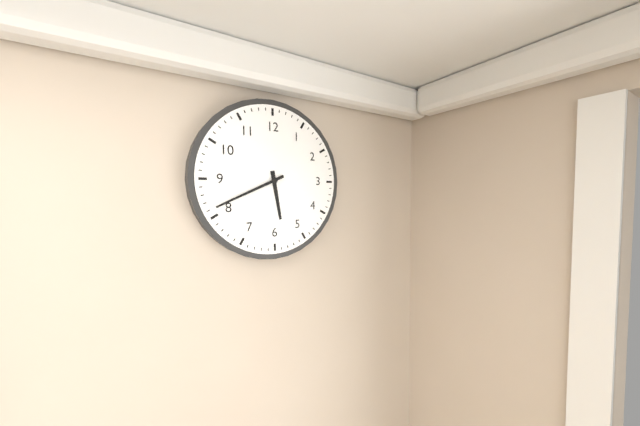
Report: 5:41
